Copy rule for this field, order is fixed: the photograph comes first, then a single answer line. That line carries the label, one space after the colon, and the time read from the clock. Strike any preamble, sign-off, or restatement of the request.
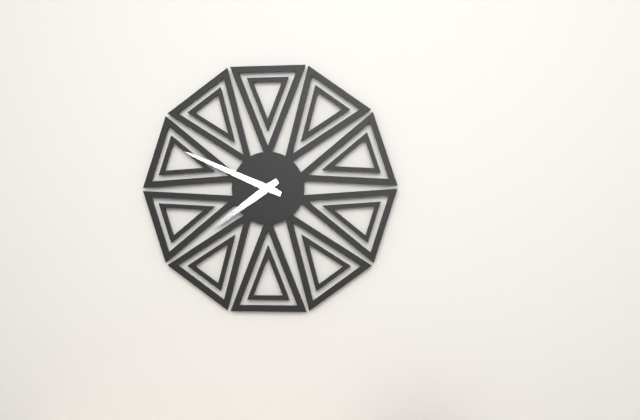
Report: 7:49
